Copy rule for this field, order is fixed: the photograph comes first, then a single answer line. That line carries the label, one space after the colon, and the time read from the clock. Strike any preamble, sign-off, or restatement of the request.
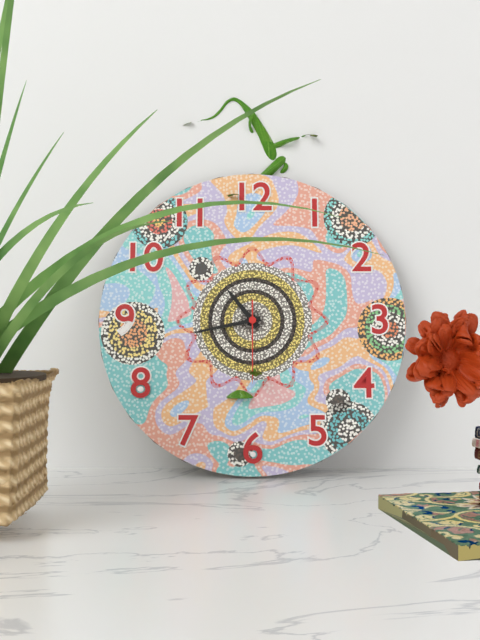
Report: 10:43:30
